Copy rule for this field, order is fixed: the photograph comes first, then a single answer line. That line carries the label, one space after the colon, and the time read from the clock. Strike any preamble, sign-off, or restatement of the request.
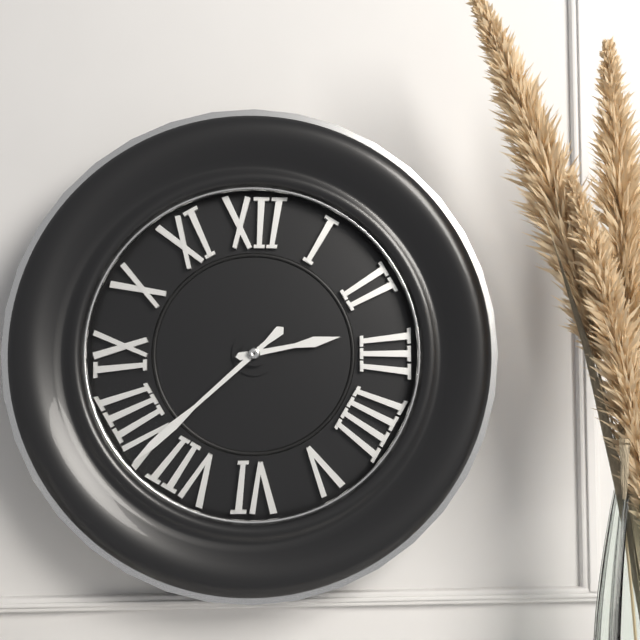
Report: 2:38
